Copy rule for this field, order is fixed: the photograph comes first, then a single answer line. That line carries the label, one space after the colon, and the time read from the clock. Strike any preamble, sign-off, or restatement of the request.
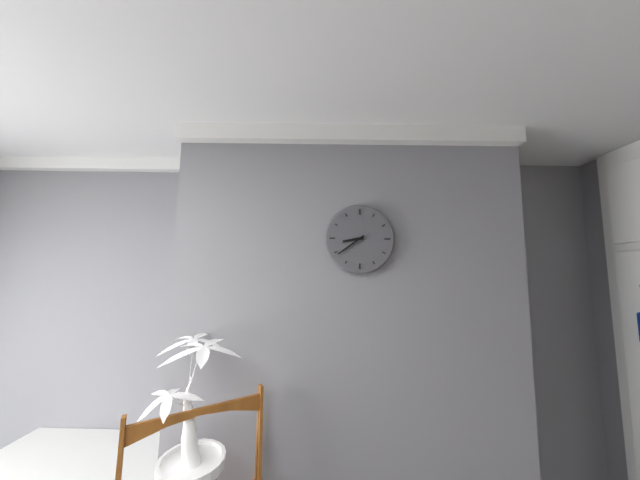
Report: 8:39
